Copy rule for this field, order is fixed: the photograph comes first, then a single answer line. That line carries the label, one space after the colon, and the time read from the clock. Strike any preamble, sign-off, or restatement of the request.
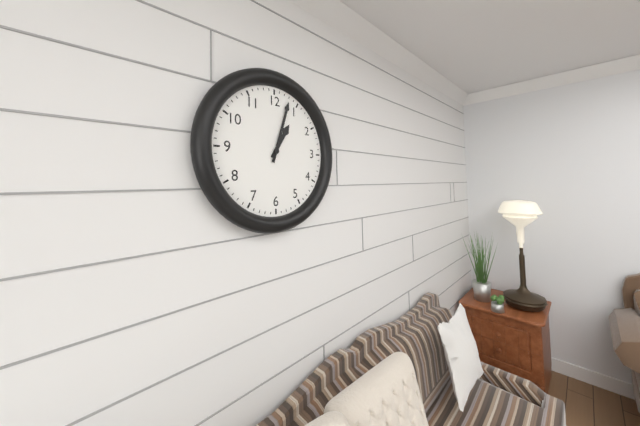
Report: 1:03
